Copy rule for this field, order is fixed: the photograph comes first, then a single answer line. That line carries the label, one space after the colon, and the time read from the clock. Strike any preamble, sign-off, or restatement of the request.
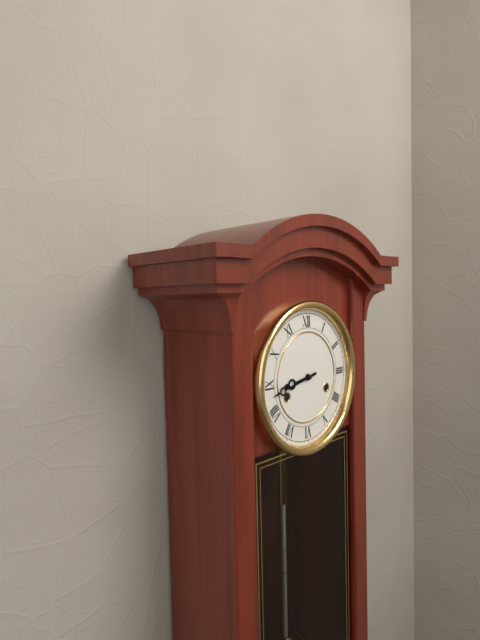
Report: 8:43
